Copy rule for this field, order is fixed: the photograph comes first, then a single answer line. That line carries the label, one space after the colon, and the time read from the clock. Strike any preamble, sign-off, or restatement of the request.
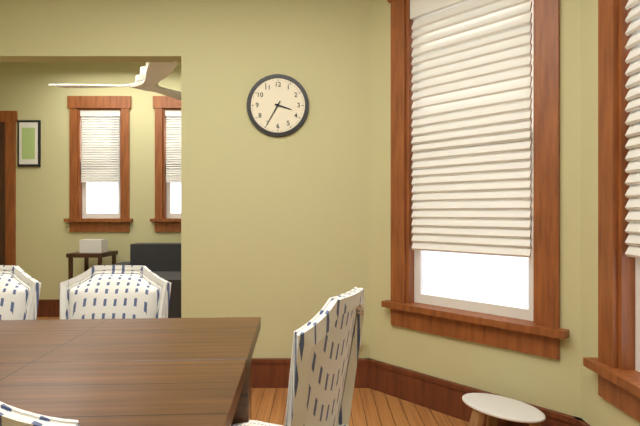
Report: 3:35
